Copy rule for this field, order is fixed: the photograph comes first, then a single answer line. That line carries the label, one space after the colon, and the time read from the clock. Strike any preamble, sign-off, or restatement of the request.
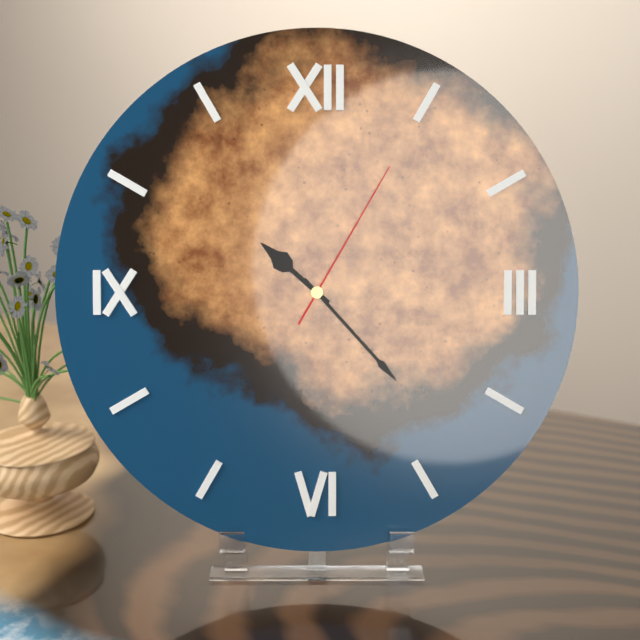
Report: 10:23:05
